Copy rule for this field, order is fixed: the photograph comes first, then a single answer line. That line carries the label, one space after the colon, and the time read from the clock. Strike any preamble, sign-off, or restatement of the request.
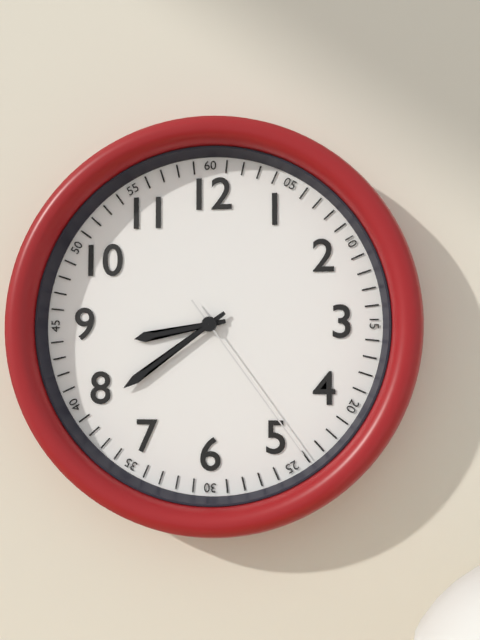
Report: 8:39:24
